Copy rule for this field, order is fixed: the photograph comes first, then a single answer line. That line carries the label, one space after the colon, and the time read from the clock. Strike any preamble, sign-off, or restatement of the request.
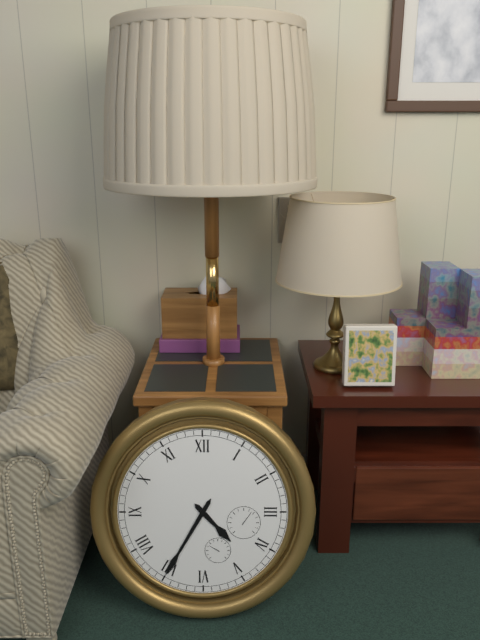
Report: 4:35
